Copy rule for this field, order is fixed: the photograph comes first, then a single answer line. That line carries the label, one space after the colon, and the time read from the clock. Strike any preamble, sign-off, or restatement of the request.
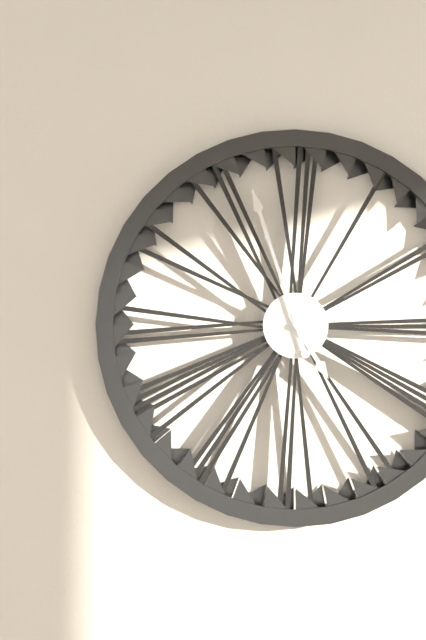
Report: 4:57
